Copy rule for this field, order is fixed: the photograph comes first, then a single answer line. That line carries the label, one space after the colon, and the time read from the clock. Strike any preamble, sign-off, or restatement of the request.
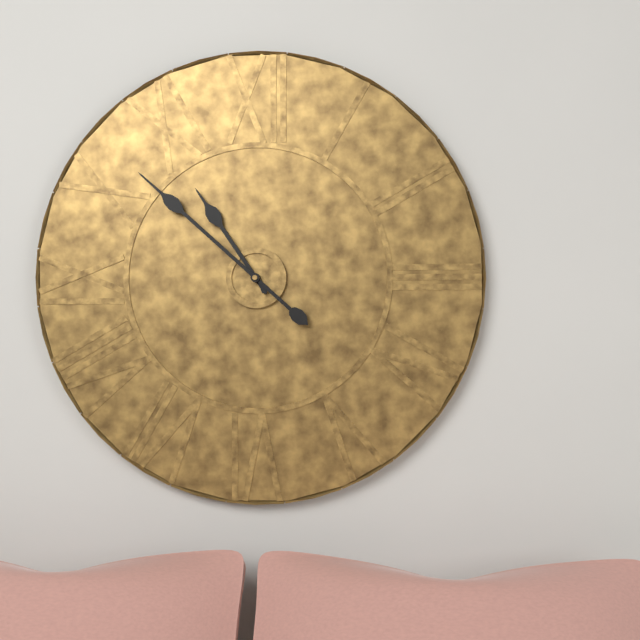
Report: 10:52
